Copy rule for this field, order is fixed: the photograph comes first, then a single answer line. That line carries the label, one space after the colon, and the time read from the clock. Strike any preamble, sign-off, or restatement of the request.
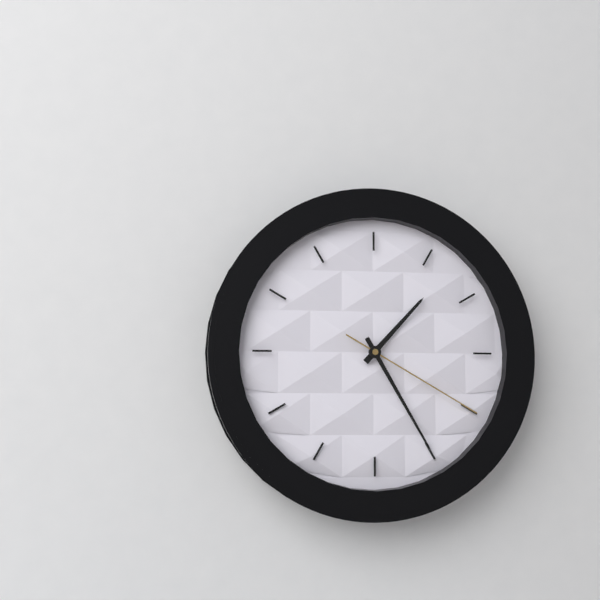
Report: 1:25:20
